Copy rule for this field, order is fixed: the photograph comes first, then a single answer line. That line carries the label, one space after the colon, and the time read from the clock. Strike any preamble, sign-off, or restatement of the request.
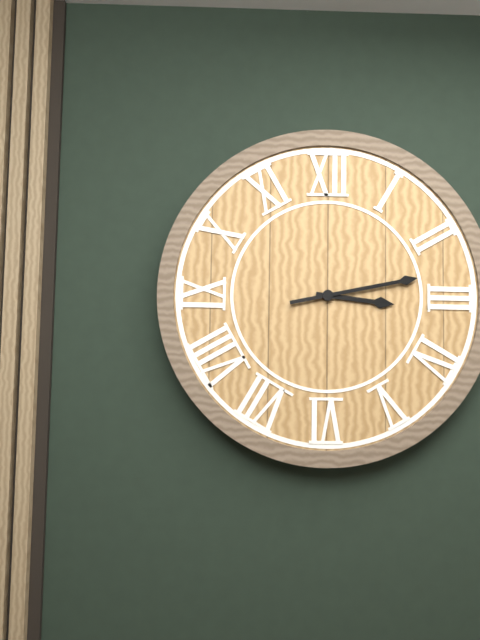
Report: 3:13
